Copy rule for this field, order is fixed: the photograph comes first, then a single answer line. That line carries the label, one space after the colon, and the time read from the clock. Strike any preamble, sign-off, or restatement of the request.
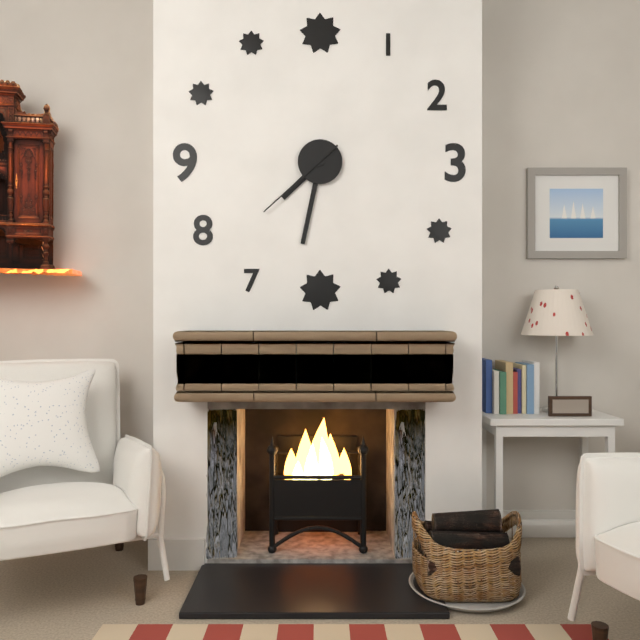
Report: 7:32:38
